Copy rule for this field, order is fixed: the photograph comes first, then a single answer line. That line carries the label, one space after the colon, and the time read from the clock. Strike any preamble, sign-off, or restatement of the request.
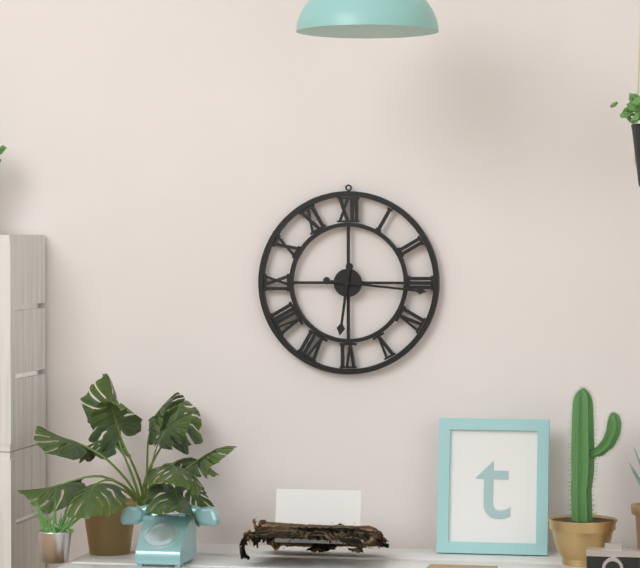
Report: 6:16
